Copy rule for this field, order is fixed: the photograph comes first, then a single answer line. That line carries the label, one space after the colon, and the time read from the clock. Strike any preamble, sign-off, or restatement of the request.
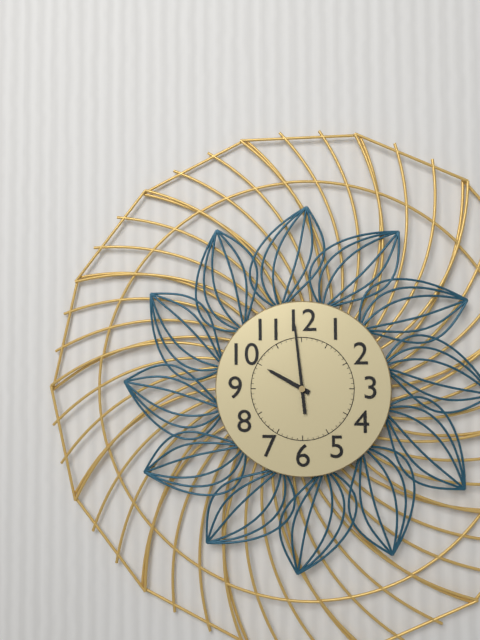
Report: 9:59
